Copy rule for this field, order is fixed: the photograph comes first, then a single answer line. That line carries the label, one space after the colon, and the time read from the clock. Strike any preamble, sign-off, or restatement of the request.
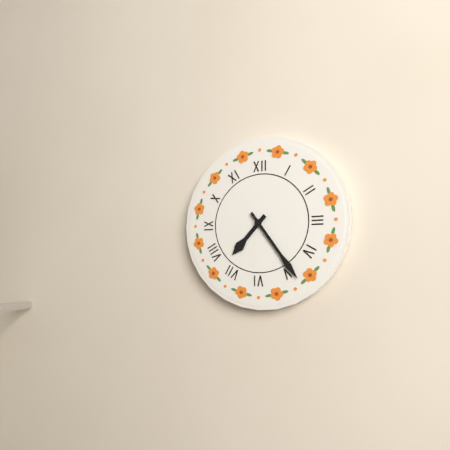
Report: 7:24
